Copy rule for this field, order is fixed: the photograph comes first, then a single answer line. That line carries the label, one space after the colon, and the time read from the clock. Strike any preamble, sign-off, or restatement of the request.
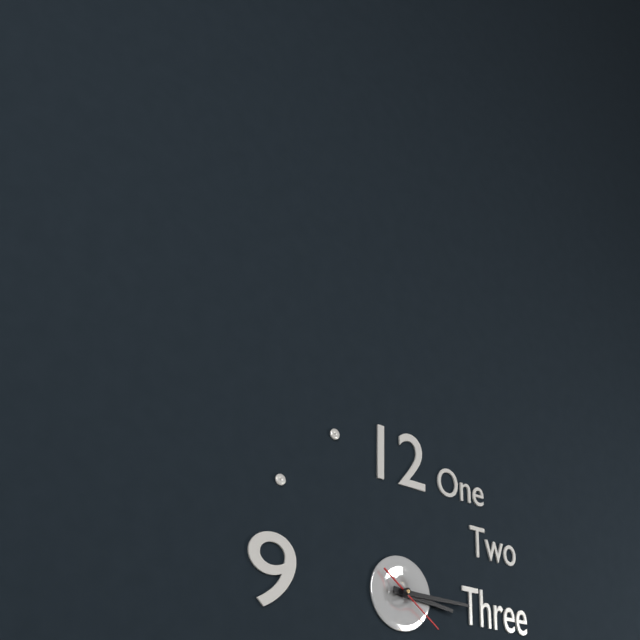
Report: 3:15:21
